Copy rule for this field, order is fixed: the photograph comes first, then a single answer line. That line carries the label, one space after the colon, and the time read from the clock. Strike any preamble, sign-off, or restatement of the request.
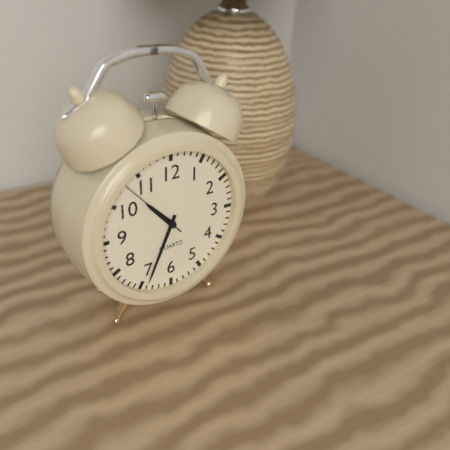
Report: 10:34:53
